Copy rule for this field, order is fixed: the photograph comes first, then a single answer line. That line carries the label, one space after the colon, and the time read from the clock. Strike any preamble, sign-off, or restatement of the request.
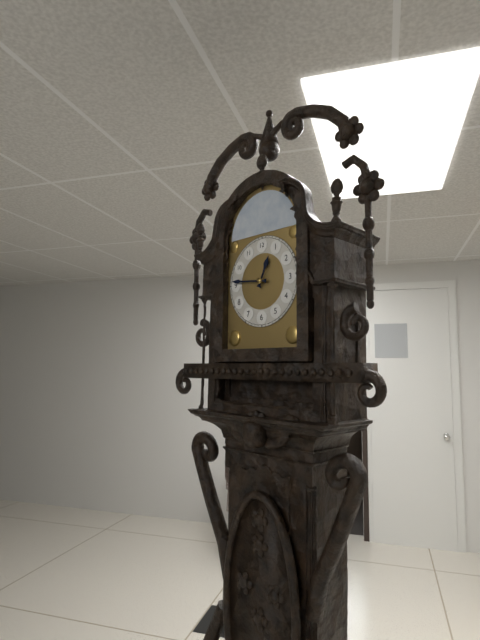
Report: 12:46
